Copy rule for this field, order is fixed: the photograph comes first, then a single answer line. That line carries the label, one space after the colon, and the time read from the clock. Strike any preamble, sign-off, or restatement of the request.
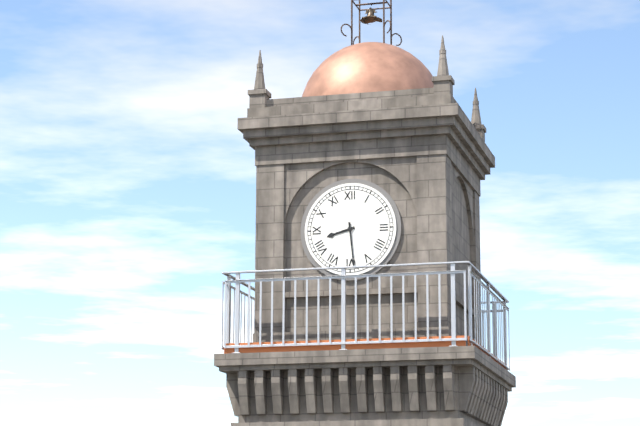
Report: 8:29
